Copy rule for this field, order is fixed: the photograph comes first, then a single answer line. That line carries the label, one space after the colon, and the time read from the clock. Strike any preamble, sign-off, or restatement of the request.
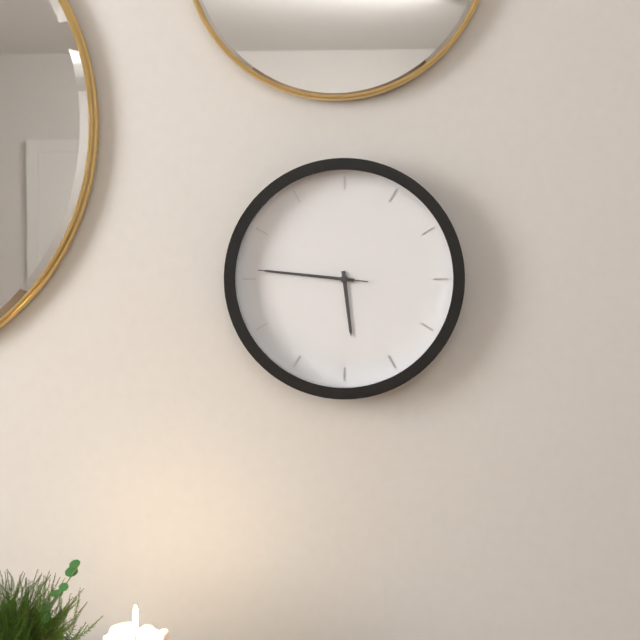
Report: 5:46:46
